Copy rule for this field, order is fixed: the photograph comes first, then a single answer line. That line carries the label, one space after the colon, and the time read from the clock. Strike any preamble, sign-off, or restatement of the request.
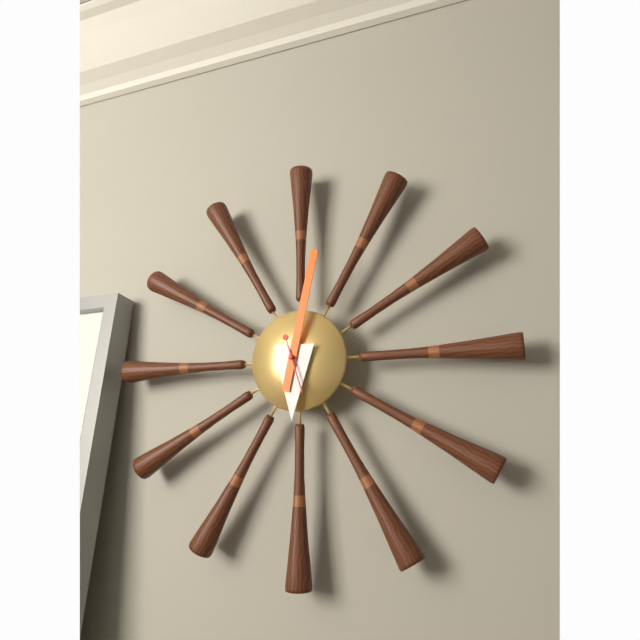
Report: 6:02
